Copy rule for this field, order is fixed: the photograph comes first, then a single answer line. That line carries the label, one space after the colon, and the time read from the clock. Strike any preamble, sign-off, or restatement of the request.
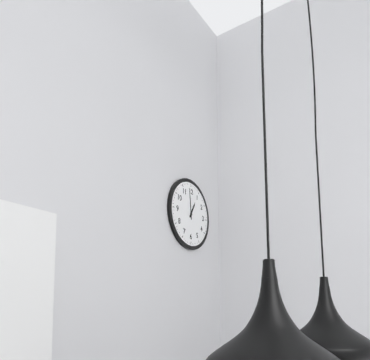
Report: 12:59
